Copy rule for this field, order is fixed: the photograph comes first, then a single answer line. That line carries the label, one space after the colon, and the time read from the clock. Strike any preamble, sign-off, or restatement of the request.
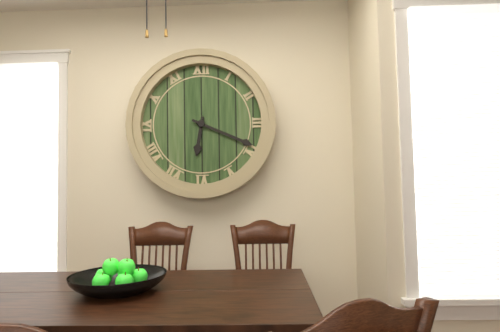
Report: 6:19
